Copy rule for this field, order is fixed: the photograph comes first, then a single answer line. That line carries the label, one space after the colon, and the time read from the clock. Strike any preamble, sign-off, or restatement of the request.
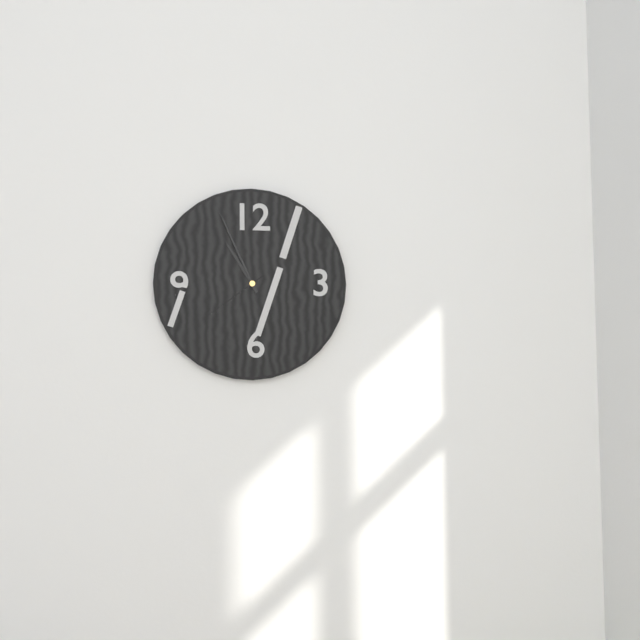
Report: 10:56:39
